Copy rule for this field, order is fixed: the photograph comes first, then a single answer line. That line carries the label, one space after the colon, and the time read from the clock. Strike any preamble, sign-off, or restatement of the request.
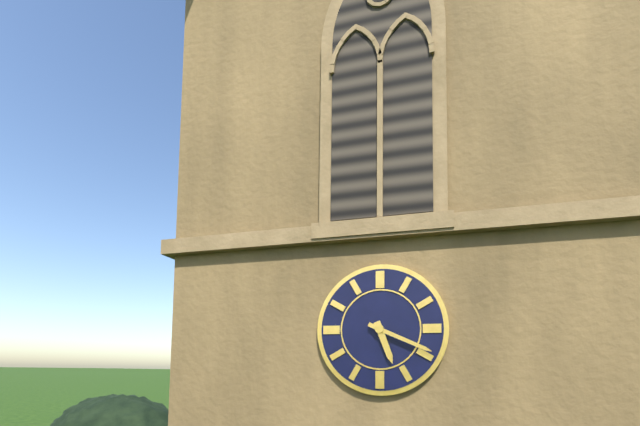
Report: 5:19
